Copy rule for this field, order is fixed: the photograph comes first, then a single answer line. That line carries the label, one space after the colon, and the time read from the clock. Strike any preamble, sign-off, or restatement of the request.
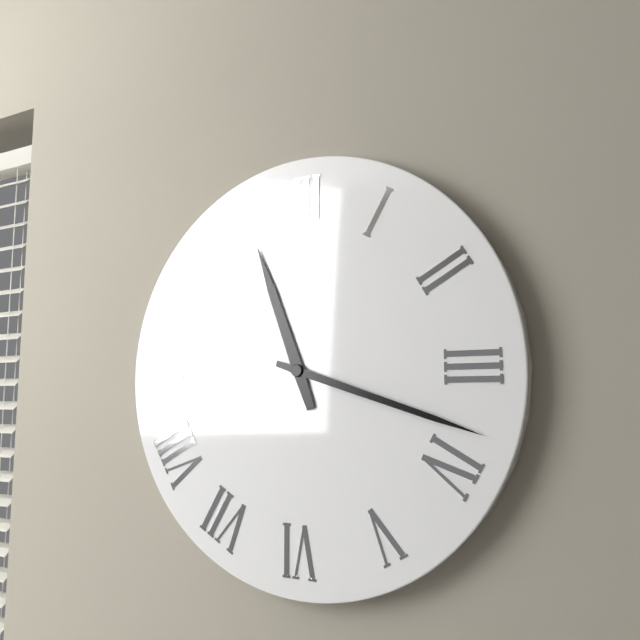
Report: 11:18
